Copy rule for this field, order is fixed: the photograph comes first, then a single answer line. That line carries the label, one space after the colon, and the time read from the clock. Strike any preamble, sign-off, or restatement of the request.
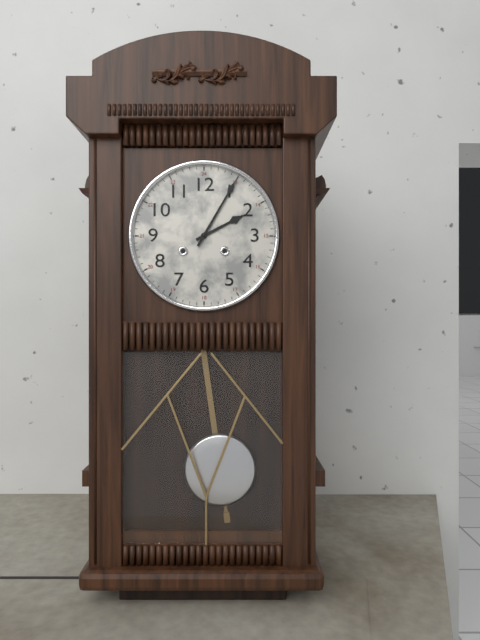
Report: 2:05
